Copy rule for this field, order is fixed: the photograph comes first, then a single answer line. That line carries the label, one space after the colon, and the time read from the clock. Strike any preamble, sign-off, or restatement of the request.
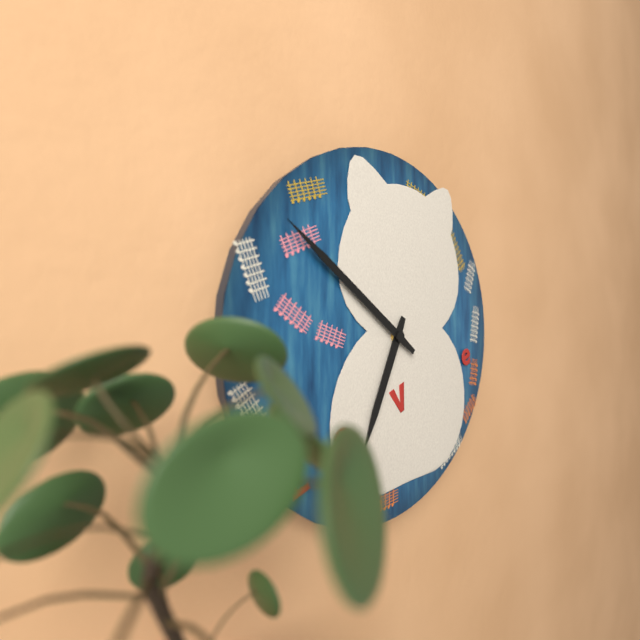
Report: 6:51
